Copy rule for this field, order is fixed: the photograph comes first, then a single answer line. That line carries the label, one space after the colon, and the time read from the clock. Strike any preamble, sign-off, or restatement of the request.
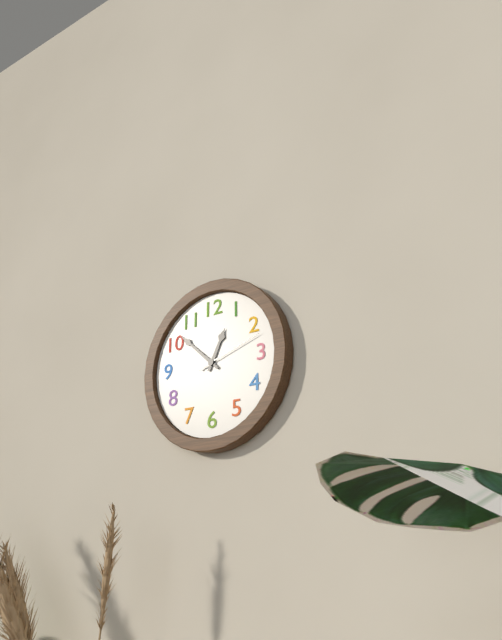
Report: 12:52:12
